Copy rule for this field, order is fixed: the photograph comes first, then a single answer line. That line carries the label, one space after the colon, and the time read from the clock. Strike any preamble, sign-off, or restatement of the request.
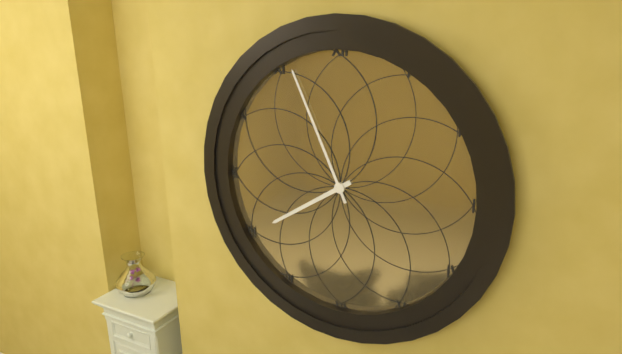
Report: 7:56
